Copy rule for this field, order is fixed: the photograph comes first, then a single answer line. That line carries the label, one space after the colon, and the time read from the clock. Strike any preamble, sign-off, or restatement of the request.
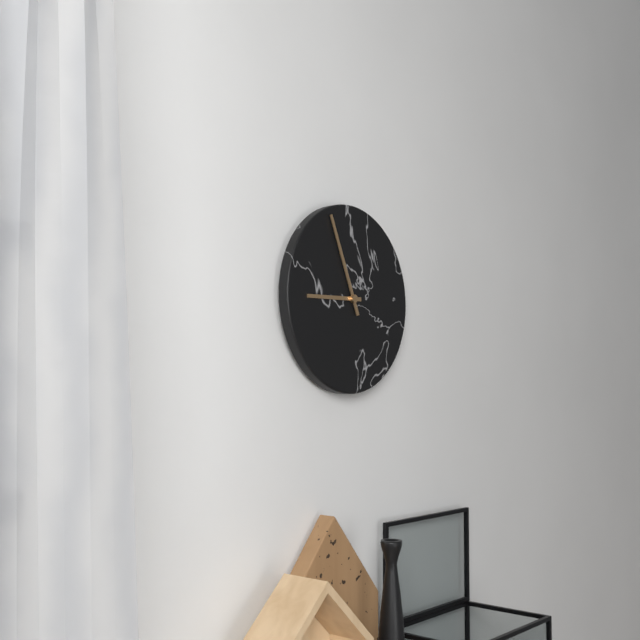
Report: 8:56
